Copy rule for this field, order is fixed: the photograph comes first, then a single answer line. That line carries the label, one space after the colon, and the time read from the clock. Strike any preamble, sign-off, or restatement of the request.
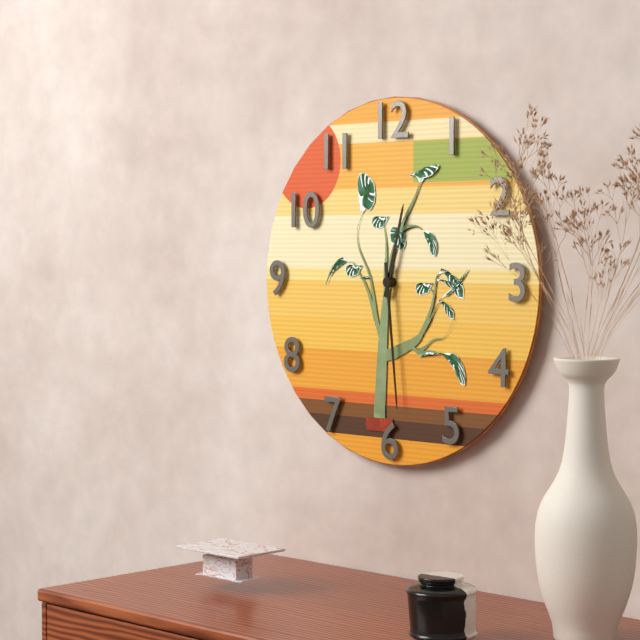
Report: 12:29
